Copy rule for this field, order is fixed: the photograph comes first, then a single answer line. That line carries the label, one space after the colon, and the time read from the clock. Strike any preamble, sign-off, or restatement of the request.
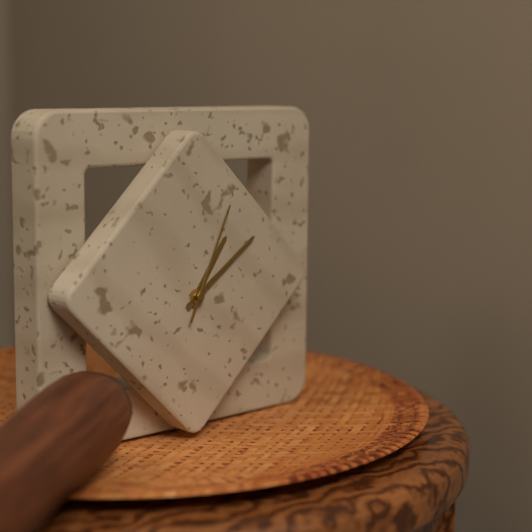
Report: 1:09:04
